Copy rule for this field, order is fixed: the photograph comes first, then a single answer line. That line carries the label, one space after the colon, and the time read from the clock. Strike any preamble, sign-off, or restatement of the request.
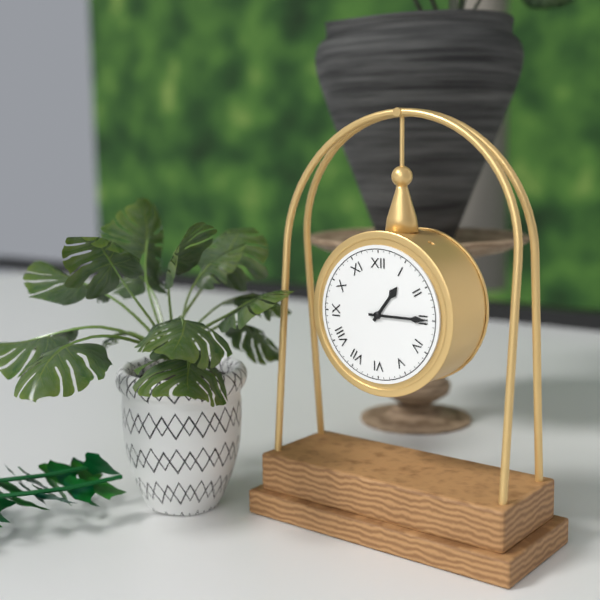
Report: 1:15
